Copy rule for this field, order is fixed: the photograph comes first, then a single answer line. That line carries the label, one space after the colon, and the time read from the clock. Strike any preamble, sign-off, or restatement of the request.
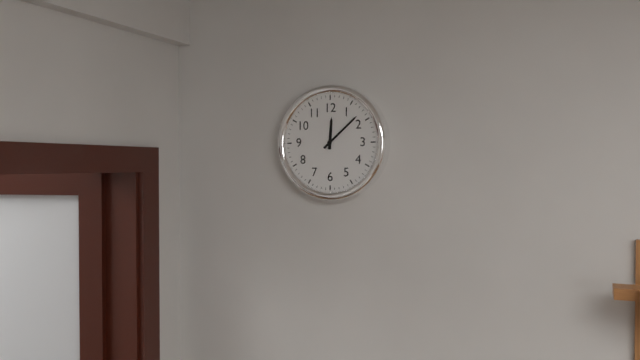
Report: 12:08
